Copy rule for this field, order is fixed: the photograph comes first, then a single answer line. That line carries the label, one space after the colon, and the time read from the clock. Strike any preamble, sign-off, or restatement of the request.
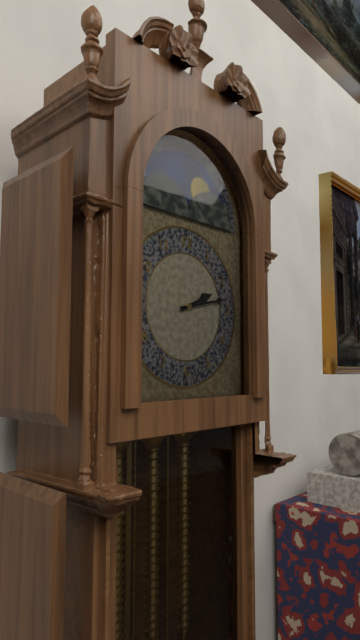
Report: 2:13
